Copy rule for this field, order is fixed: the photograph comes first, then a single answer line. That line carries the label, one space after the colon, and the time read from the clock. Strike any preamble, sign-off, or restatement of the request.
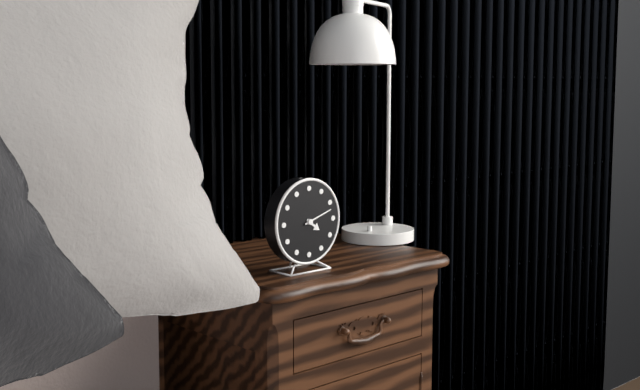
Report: 4:12
